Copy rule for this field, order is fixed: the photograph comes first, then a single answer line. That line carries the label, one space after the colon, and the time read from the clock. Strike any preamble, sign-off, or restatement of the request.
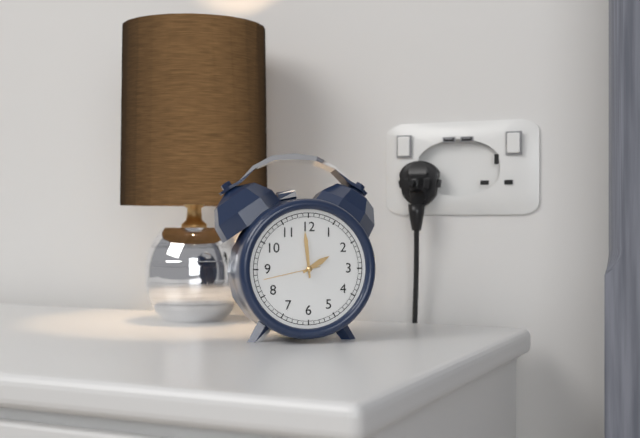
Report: 1:59:43
